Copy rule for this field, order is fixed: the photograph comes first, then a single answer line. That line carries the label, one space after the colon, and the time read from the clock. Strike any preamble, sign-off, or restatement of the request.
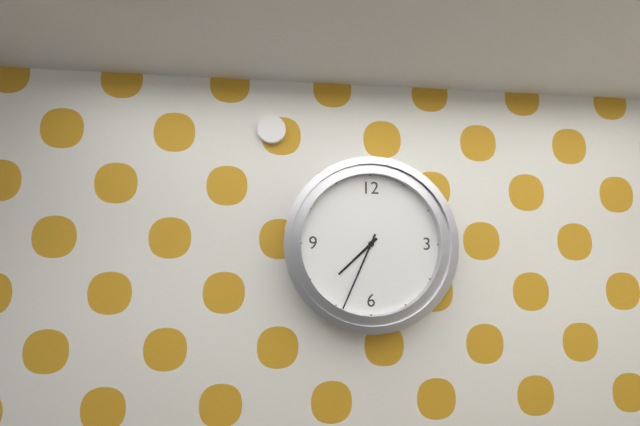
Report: 7:34
